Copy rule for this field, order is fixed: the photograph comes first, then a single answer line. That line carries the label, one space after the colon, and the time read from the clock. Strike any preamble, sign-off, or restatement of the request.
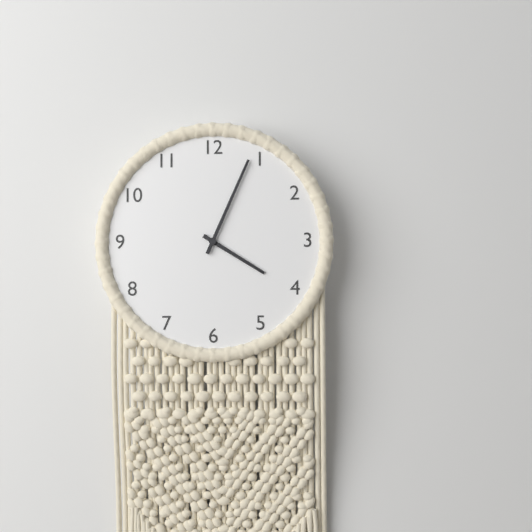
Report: 4:04
